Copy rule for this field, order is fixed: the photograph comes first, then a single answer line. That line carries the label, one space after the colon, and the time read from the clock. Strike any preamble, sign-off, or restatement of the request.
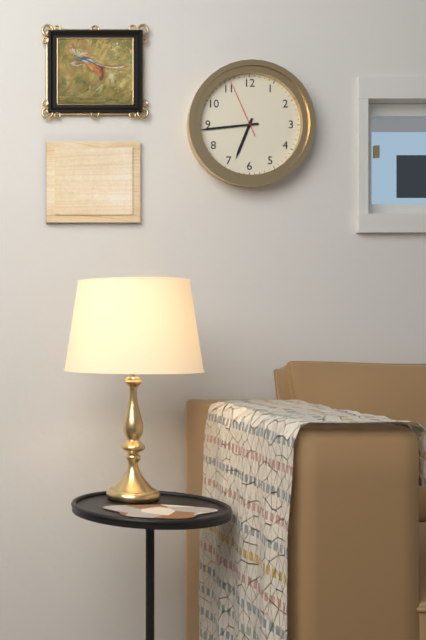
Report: 6:44:56
